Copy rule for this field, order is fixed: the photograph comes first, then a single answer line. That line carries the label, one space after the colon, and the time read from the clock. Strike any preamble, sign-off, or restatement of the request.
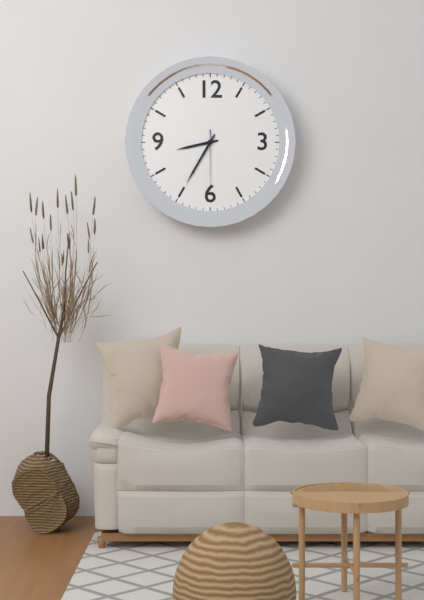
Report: 8:35:30
